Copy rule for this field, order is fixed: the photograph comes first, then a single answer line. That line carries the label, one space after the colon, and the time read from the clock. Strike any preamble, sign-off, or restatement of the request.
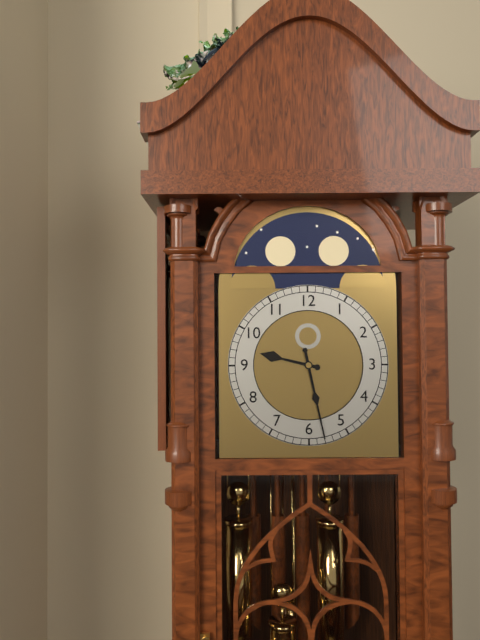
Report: 9:28
